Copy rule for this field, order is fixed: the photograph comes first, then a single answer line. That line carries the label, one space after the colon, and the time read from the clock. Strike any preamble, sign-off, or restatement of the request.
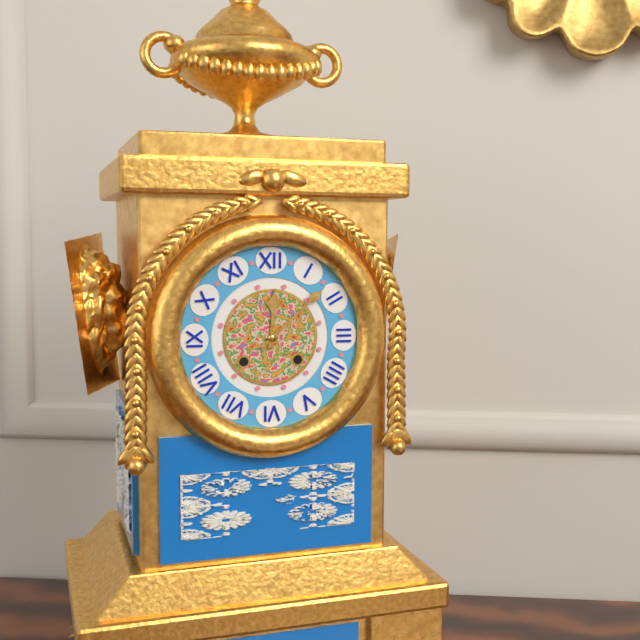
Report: 12:08
